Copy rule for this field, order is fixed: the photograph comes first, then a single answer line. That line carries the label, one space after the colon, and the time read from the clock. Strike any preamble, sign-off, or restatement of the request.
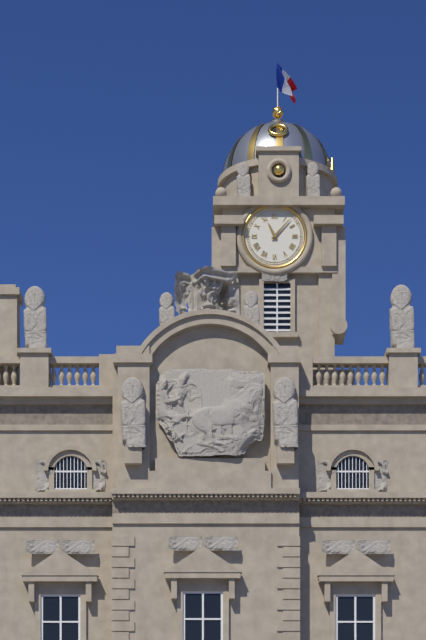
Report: 11:07
